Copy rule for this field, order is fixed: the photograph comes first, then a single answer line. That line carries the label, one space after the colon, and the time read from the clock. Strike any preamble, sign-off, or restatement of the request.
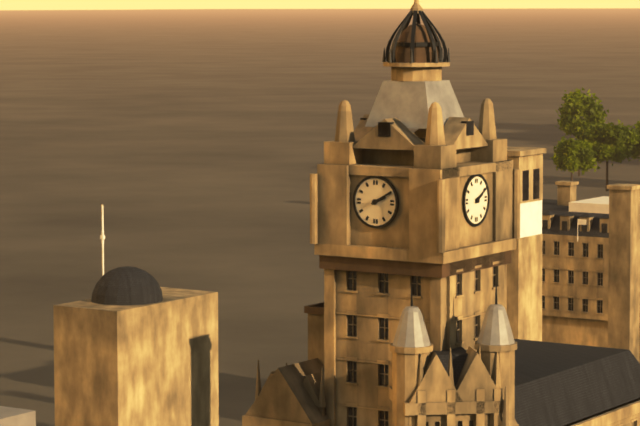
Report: 2:10
